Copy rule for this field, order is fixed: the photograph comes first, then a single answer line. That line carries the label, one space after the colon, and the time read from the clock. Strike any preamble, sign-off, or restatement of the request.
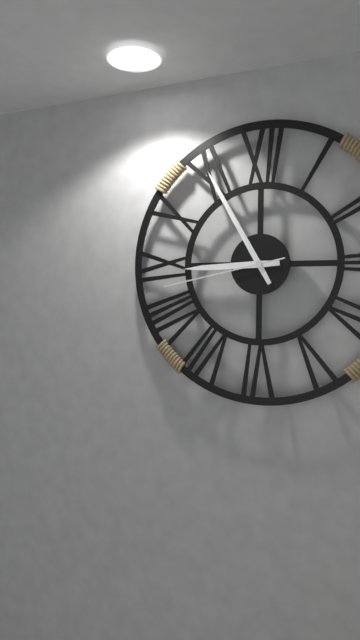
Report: 8:55:43
